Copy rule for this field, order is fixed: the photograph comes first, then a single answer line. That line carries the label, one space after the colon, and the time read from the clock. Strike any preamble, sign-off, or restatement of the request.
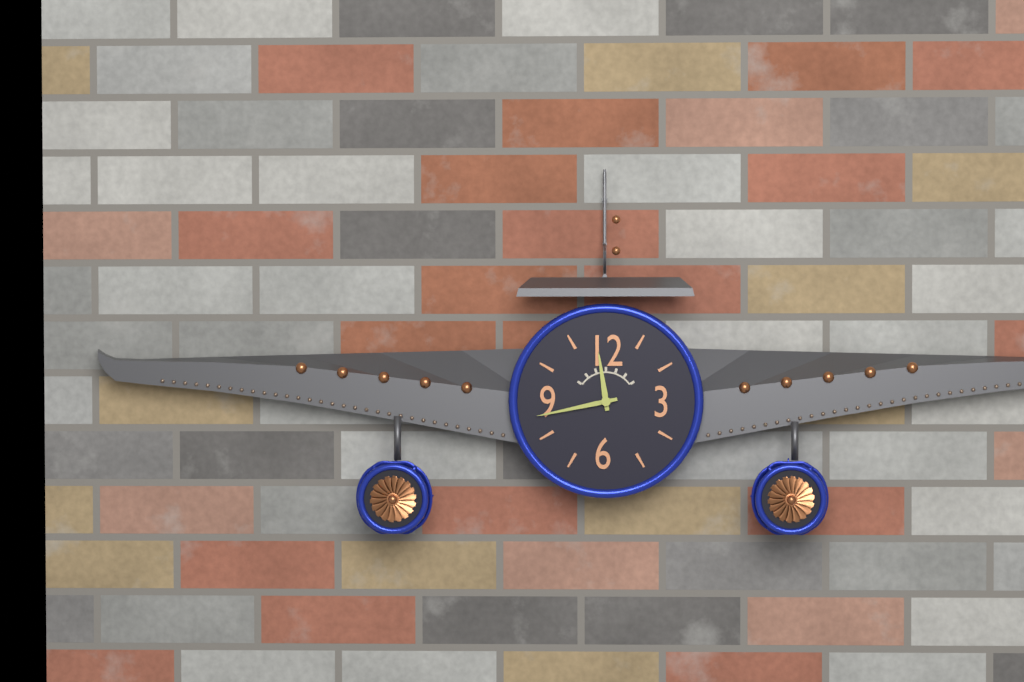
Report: 11:43
